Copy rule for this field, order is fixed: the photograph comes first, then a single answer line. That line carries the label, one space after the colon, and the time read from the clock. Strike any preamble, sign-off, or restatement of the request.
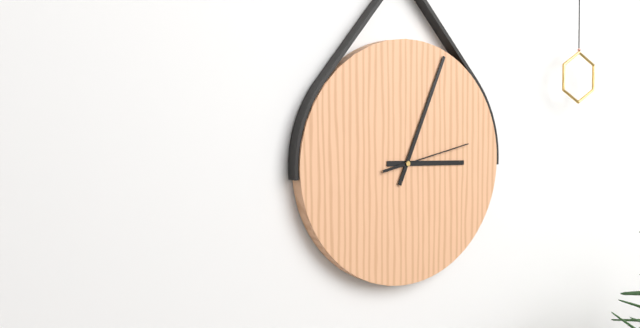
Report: 3:04:13
